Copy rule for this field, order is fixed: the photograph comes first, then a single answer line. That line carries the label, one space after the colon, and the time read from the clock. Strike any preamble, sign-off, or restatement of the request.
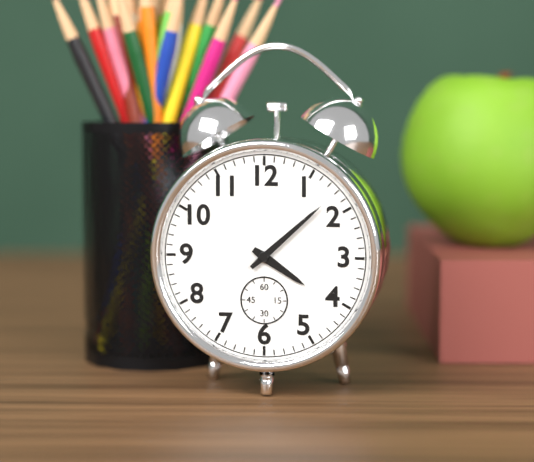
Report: 4:08
